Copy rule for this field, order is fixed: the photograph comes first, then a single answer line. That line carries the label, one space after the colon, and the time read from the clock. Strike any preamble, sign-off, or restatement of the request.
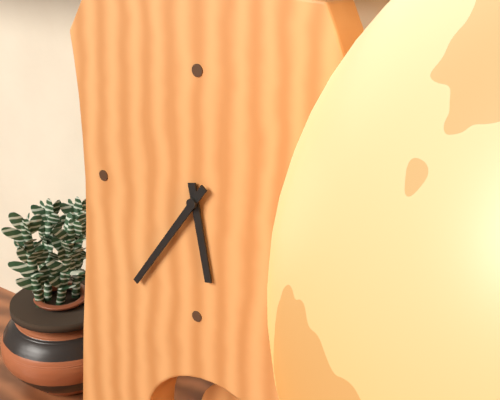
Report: 5:36
